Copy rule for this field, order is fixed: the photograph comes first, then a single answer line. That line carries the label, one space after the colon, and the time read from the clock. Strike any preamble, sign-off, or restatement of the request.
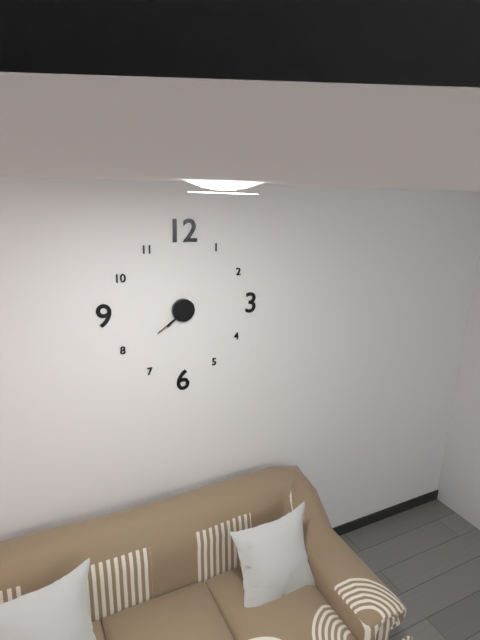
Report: 7:39
